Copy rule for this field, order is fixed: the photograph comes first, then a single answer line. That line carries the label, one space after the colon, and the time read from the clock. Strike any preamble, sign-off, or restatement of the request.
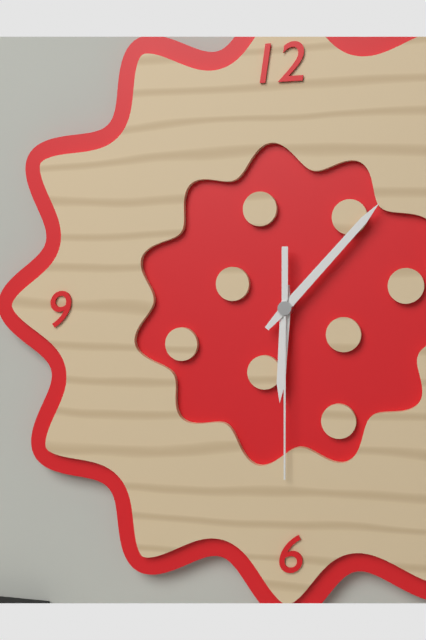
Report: 6:07:30
